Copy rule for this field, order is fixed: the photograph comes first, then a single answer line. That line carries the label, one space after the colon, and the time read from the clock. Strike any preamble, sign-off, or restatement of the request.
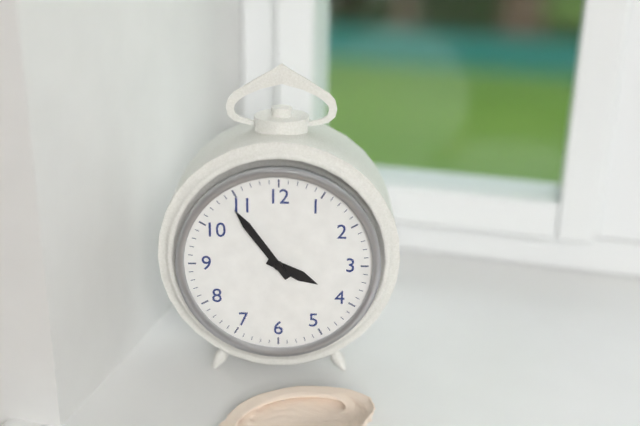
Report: 3:54
